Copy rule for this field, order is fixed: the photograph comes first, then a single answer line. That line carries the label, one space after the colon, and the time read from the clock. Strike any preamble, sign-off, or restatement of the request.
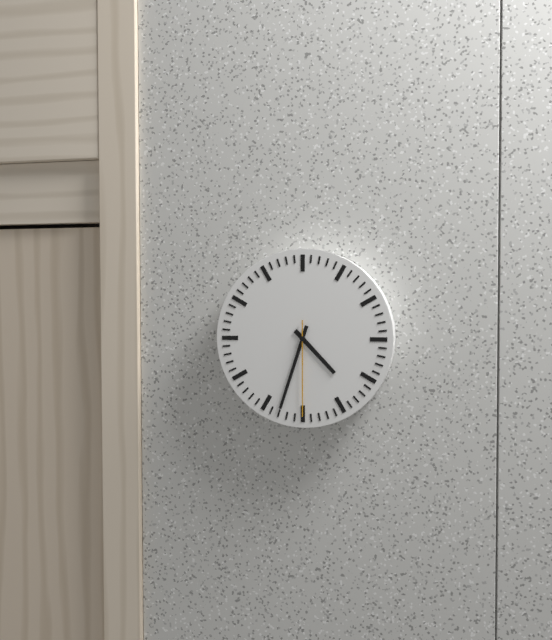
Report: 4:33:30
